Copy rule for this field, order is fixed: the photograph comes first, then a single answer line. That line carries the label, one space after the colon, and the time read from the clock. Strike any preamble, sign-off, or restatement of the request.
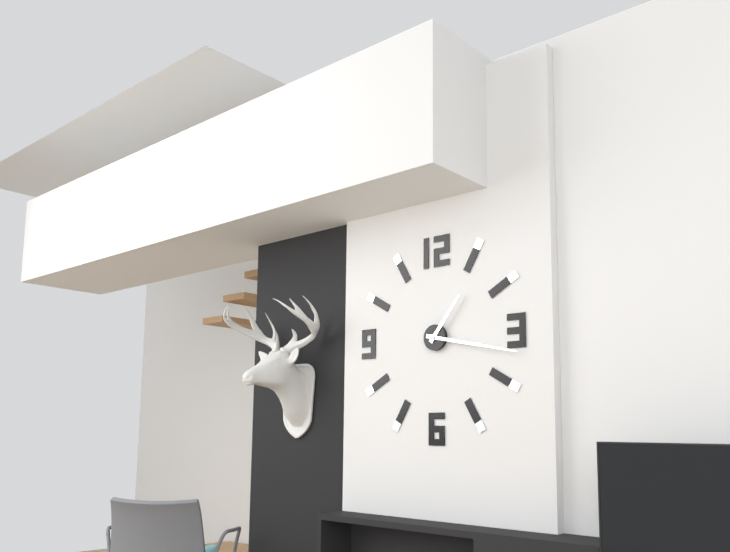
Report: 1:17
